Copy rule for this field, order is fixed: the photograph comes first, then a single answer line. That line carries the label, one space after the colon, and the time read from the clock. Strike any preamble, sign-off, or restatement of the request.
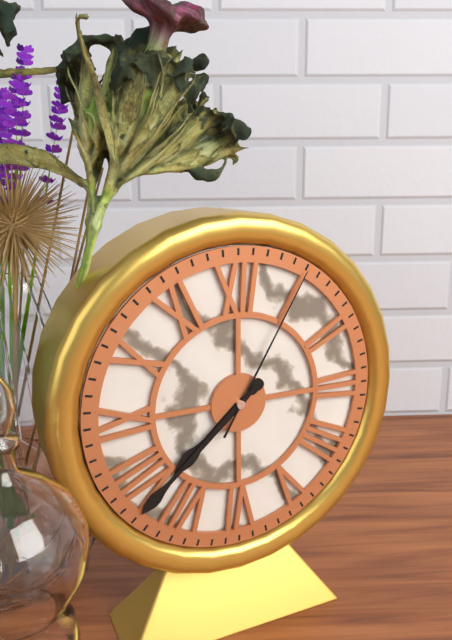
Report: 7:38:05
